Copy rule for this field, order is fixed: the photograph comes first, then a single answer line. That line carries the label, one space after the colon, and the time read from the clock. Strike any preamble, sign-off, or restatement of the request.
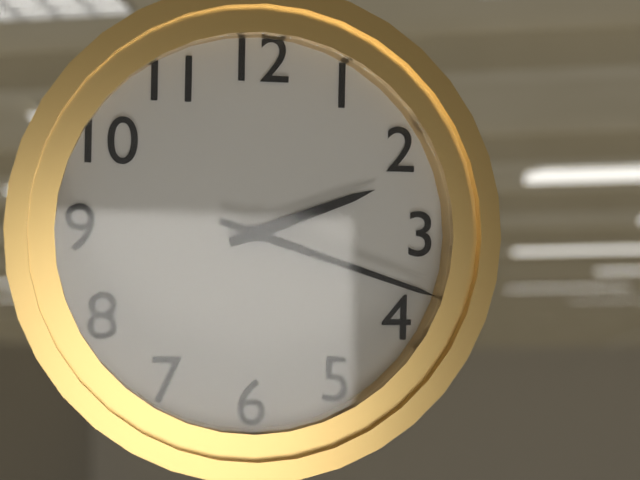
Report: 2:18
